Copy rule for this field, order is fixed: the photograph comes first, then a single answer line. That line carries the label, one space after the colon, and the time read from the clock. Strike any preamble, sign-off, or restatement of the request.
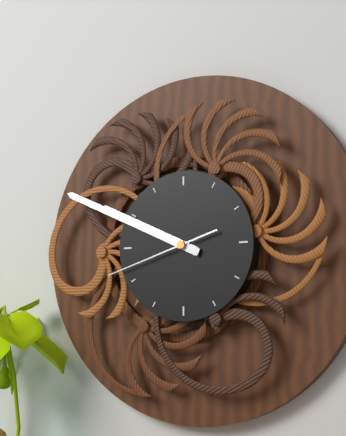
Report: 9:49:42
